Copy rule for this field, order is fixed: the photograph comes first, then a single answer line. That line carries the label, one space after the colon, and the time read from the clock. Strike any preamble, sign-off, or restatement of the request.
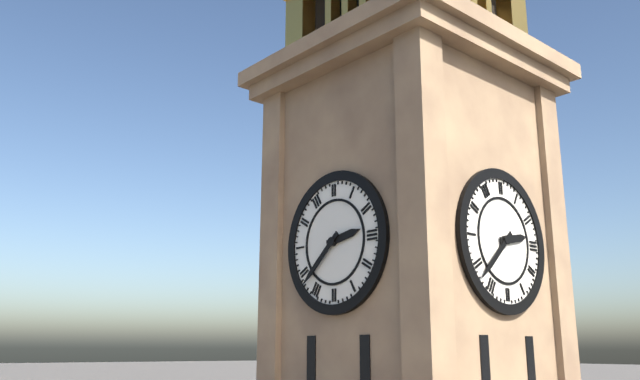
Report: 2:38
